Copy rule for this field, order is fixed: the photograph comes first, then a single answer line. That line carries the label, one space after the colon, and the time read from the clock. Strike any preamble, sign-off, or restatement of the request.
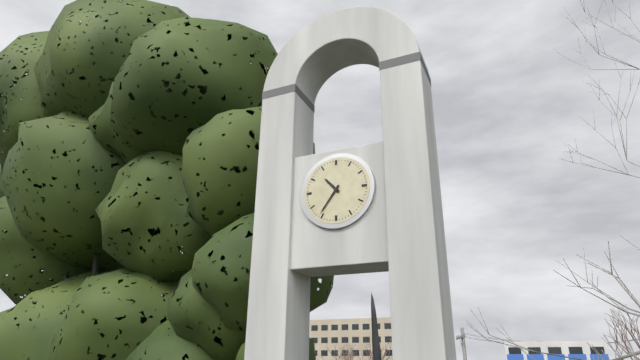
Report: 10:36
